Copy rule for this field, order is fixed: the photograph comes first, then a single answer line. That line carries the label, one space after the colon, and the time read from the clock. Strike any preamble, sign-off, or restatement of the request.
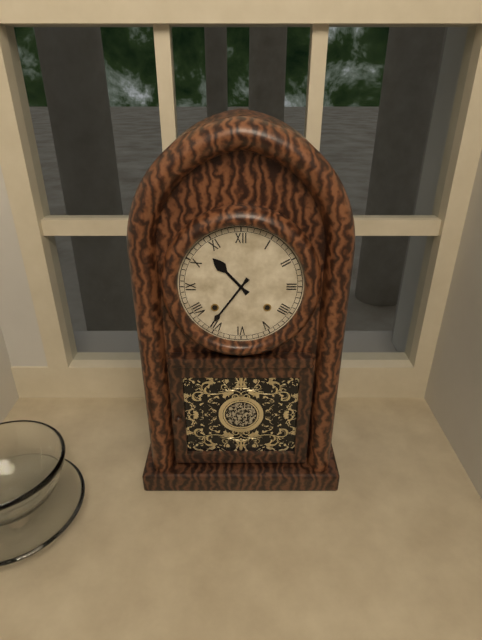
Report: 10:36
